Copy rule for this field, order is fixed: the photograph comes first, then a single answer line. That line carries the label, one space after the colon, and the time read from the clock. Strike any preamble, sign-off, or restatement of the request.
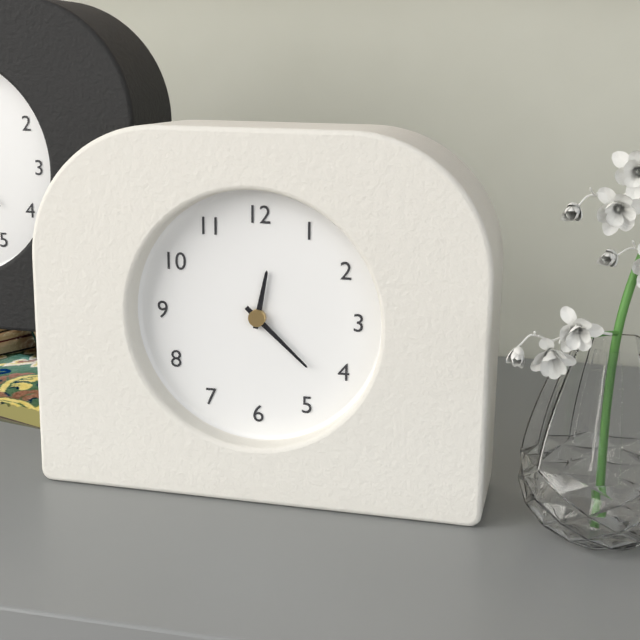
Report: 12:22
